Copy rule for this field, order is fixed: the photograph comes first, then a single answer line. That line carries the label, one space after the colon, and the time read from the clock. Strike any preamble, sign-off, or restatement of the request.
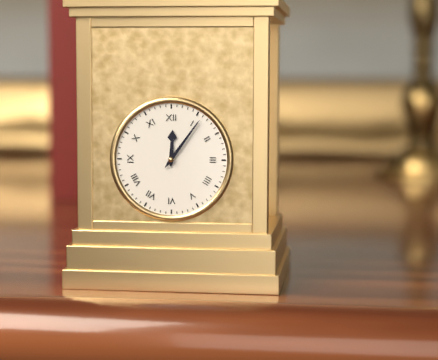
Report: 12:06
